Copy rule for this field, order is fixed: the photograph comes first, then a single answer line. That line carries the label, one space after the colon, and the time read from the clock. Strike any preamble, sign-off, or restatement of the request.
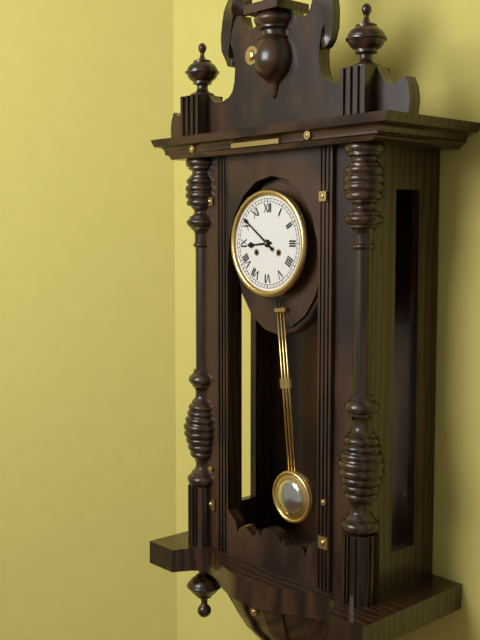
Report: 8:51
